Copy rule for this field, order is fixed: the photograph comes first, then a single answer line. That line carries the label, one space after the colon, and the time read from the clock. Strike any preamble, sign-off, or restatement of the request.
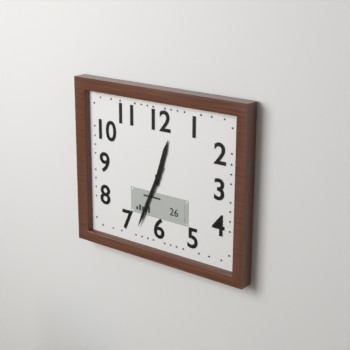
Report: 12:34
